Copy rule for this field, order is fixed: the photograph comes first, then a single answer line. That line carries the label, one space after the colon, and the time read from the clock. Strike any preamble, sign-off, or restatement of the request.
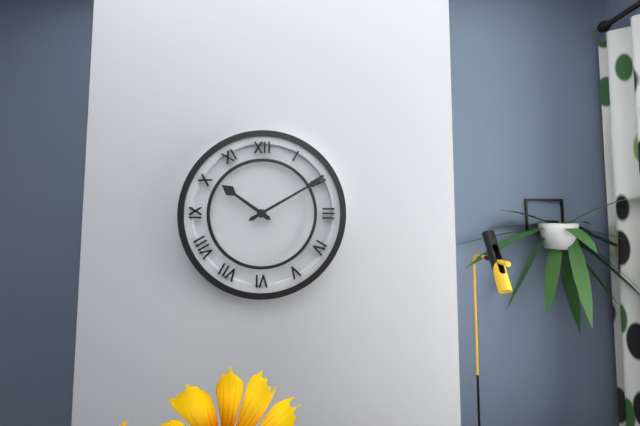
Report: 10:10
